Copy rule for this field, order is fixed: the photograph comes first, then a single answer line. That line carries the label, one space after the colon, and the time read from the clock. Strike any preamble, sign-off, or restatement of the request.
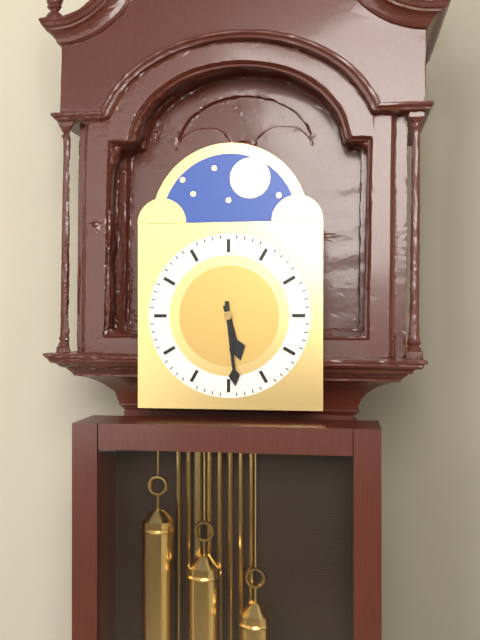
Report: 5:29
